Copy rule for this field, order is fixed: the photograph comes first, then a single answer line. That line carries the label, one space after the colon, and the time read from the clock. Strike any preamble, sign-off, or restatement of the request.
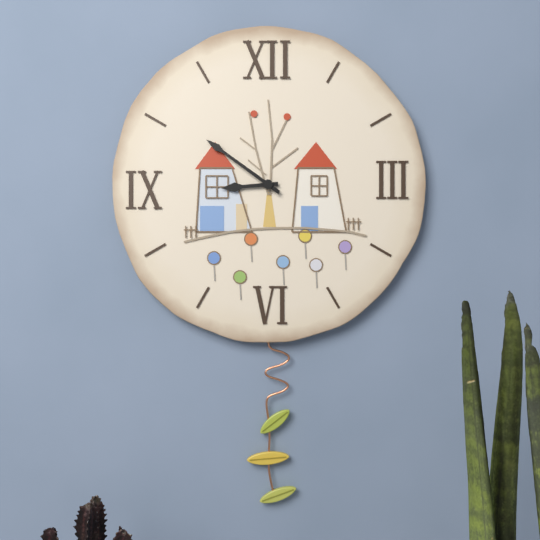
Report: 8:51
